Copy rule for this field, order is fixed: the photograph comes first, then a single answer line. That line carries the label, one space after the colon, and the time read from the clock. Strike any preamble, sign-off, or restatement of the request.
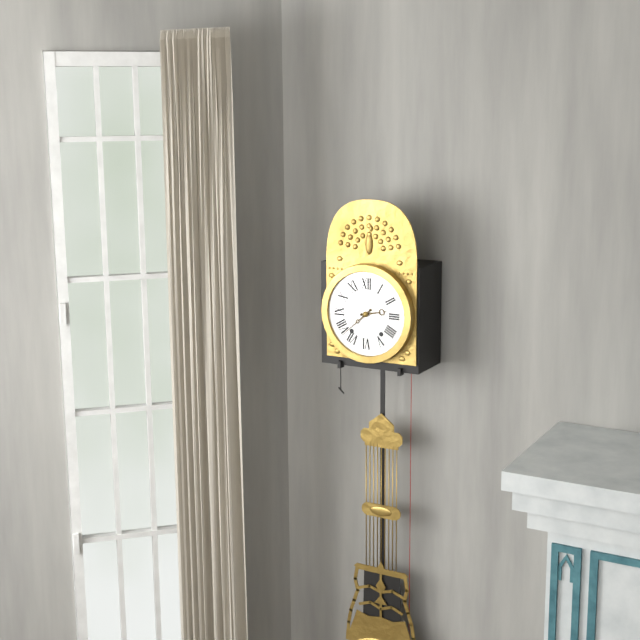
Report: 2:38
